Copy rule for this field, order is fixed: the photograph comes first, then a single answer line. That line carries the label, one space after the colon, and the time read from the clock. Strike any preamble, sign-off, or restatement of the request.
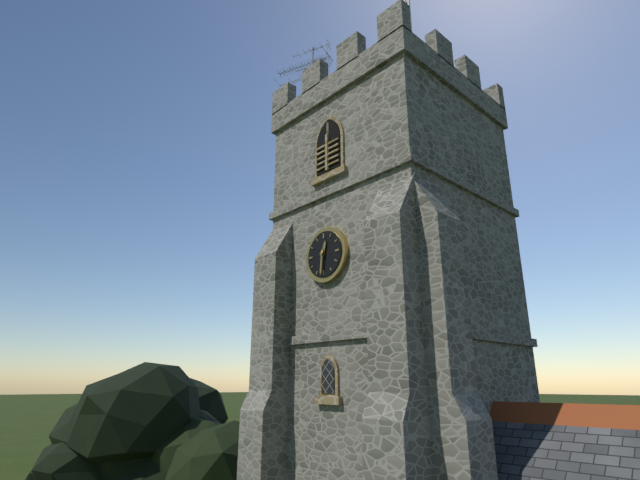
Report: 12:31
